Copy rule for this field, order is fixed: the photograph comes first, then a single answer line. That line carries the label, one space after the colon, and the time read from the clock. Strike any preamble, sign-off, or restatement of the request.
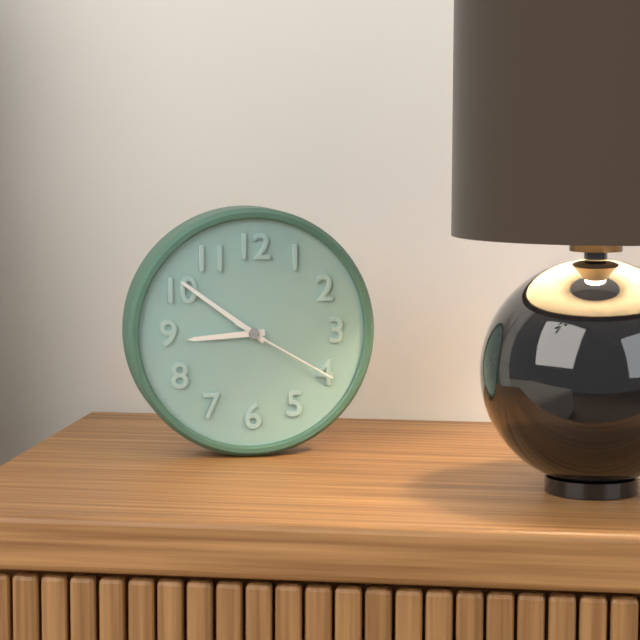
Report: 8:51:20
